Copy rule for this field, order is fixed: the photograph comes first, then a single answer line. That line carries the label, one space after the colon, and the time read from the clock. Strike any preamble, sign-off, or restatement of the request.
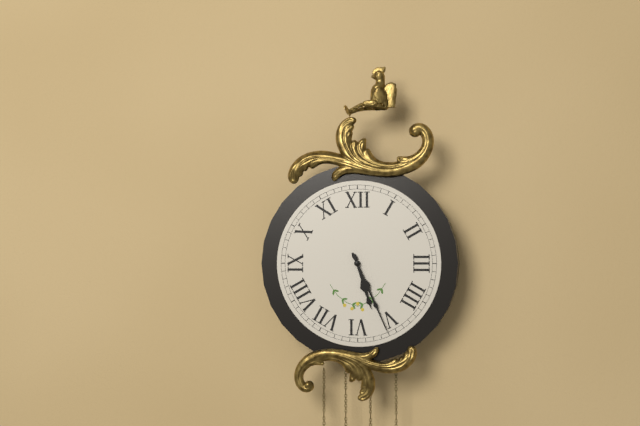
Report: 5:26
